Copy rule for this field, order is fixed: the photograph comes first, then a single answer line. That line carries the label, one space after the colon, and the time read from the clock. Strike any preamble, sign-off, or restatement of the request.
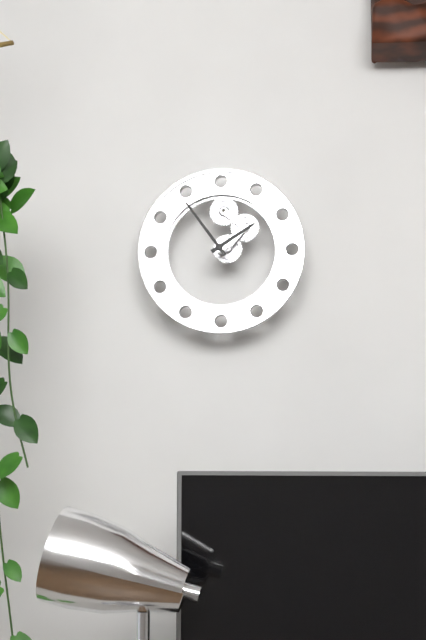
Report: 1:54
